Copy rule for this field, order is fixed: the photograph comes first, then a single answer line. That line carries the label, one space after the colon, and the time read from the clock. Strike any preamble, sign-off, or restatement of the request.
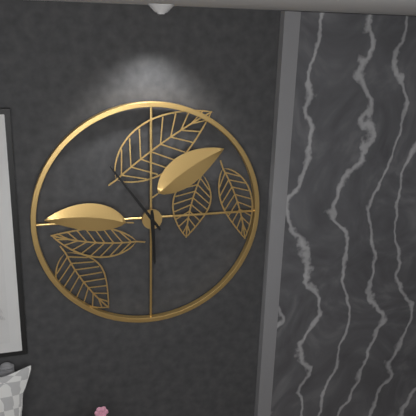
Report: 5:54
